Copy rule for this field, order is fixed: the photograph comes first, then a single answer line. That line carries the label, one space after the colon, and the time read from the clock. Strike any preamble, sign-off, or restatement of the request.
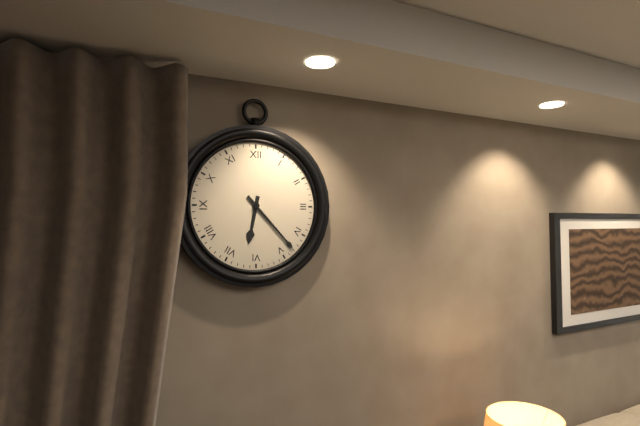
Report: 6:23
